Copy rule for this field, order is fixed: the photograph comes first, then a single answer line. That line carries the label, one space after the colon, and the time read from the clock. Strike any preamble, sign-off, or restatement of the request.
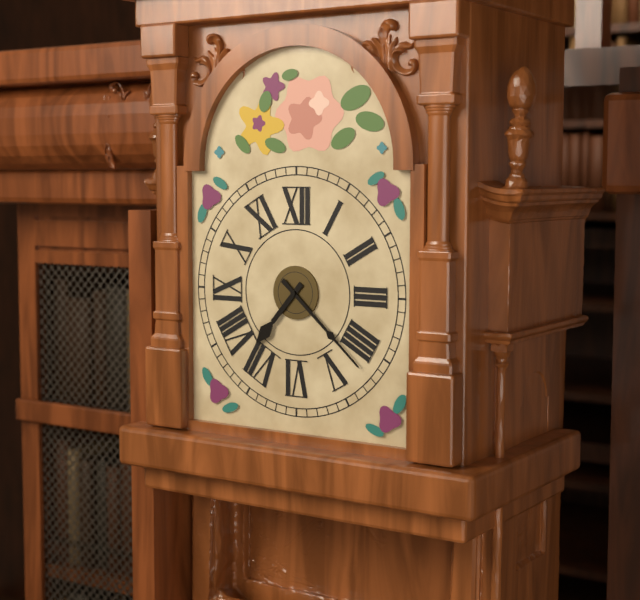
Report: 7:22
